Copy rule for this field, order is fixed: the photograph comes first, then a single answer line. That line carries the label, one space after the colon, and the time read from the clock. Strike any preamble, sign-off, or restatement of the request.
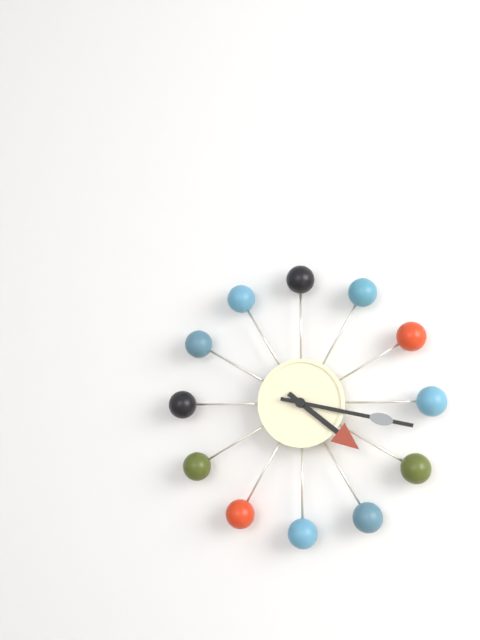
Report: 4:17
